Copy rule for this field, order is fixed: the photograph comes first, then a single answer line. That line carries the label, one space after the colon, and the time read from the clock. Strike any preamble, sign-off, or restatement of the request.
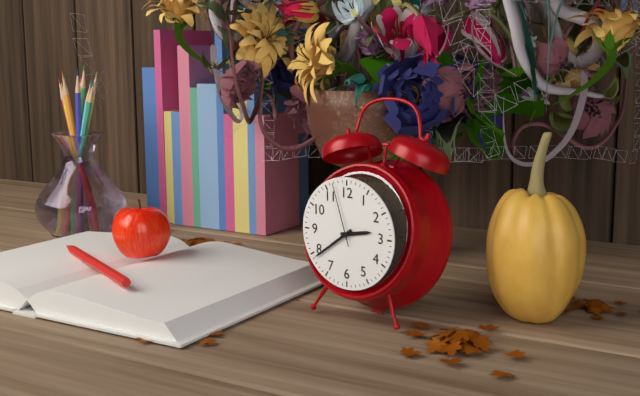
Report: 2:39:57
